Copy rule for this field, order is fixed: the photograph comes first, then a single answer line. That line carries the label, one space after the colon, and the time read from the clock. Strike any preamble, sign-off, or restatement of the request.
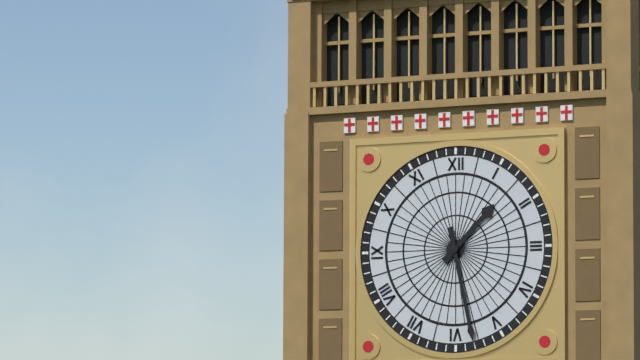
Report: 1:28
